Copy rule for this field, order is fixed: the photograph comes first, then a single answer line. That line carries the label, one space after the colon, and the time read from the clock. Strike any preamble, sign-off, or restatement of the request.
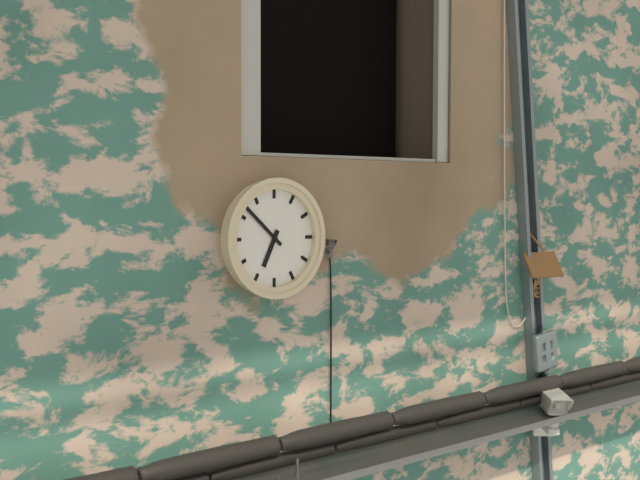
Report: 6:52
